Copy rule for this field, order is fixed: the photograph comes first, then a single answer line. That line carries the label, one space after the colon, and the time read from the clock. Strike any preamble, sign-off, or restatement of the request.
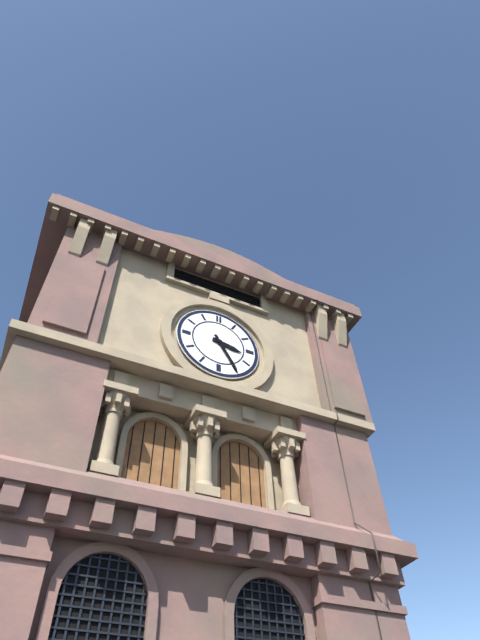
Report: 3:25
